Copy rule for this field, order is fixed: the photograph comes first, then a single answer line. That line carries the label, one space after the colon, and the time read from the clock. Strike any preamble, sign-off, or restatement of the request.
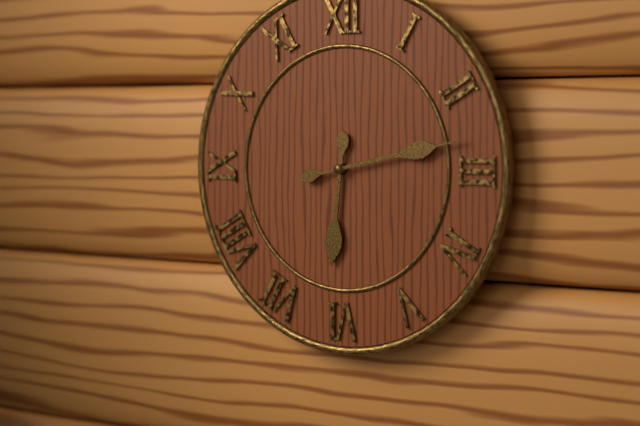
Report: 6:13
